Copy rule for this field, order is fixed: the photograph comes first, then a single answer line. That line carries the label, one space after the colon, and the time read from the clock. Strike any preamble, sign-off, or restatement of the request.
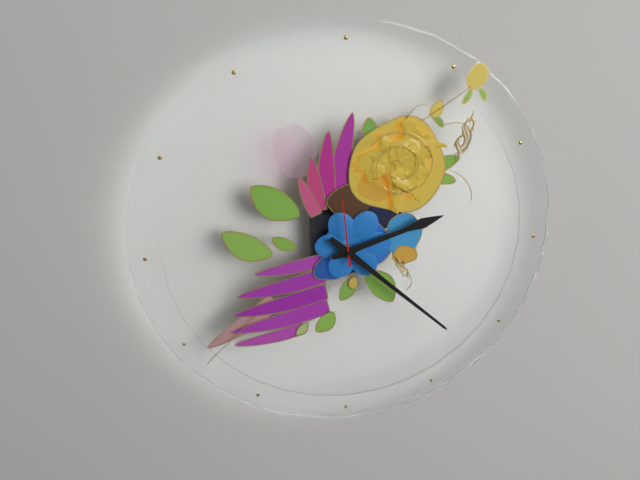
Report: 2:22:59
